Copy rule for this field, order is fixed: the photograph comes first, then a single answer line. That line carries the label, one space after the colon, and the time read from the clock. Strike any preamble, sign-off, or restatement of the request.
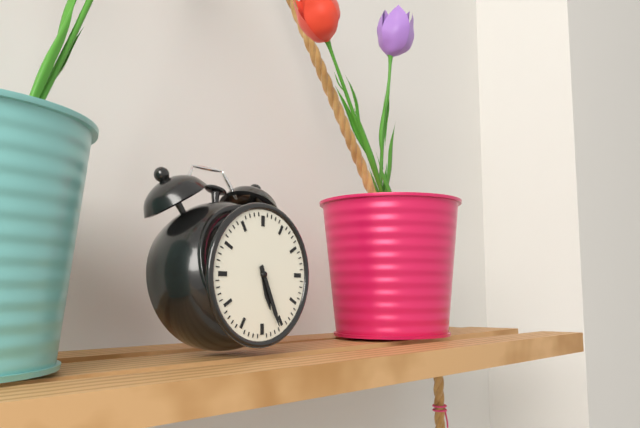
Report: 5:26
